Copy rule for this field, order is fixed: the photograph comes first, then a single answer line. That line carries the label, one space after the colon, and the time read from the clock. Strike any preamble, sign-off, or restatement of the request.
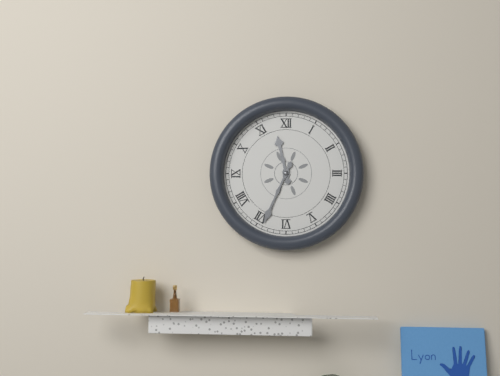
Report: 11:34
